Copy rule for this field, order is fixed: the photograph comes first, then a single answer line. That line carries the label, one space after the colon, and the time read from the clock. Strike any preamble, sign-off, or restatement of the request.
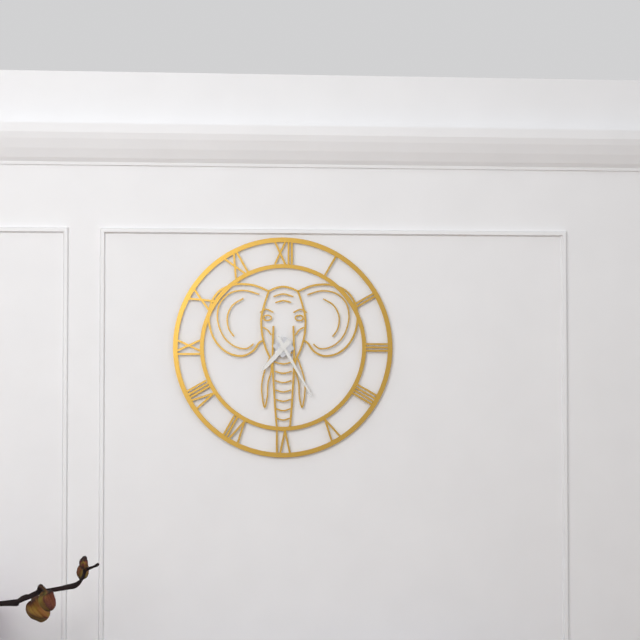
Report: 7:25
